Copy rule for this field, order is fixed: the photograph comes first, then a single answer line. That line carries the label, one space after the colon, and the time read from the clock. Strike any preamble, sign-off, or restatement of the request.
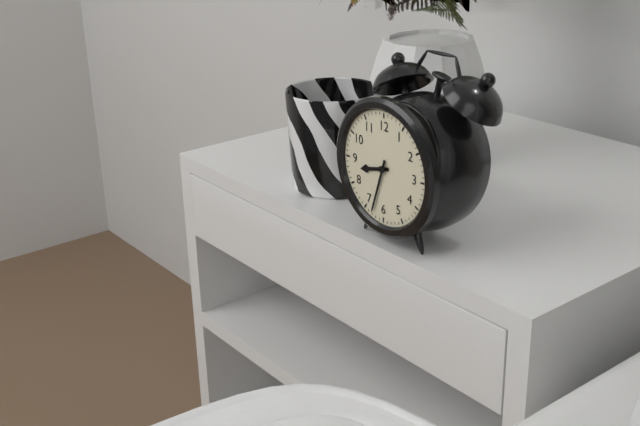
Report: 8:33
